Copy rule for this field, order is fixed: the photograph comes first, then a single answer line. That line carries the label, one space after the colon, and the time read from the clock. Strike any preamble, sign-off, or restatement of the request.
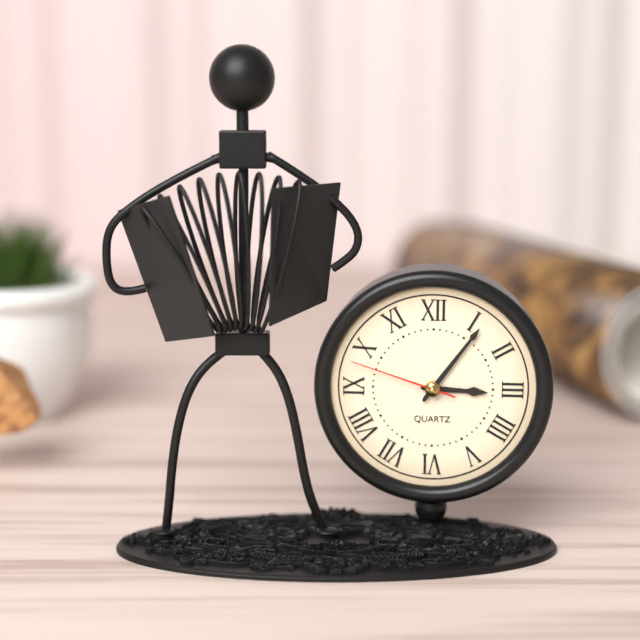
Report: 3:06:48
